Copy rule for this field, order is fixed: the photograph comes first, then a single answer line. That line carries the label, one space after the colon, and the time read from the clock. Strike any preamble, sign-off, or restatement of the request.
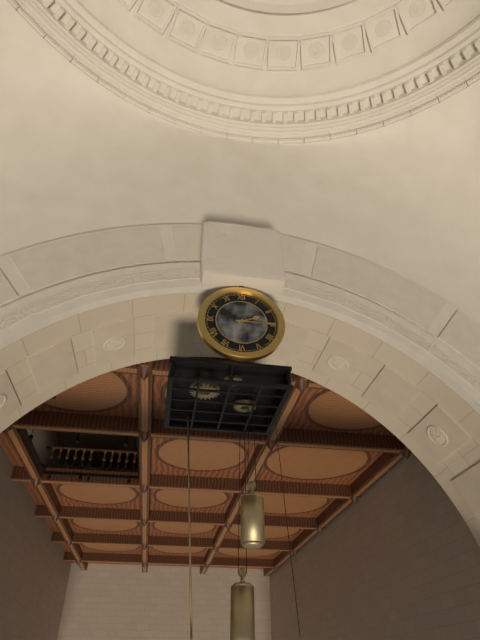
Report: 2:15
